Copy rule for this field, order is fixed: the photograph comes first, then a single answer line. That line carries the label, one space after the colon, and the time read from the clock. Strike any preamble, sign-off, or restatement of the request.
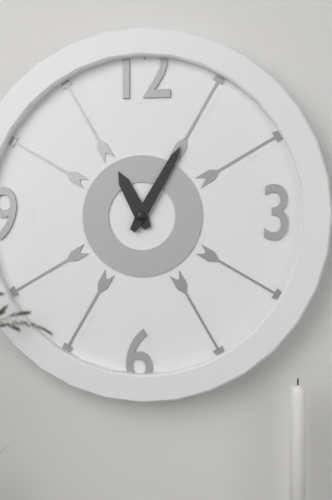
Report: 11:05
